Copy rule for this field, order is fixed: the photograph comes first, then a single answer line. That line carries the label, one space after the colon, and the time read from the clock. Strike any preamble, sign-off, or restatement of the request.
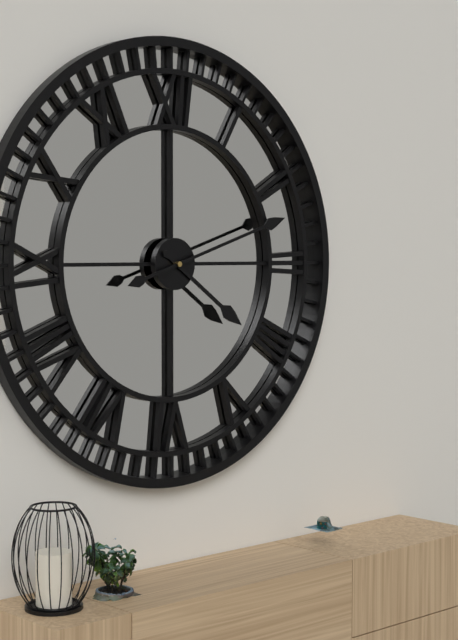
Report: 4:12
